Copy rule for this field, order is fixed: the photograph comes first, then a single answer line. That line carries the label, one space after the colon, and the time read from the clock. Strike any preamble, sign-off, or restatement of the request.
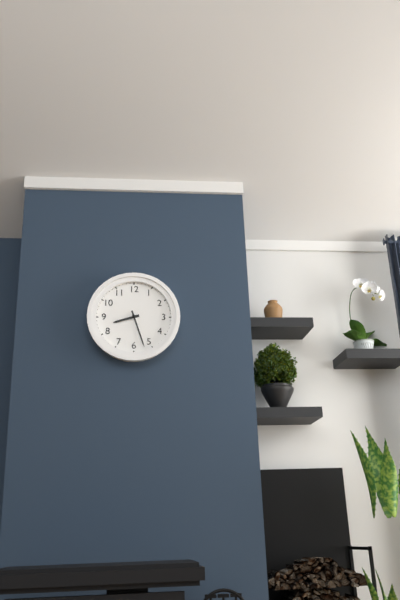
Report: 8:27
